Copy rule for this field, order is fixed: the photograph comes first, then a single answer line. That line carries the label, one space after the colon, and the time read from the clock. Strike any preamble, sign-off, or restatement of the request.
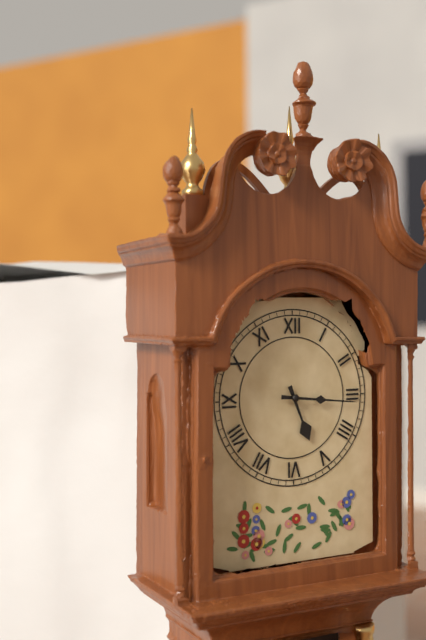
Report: 5:16
